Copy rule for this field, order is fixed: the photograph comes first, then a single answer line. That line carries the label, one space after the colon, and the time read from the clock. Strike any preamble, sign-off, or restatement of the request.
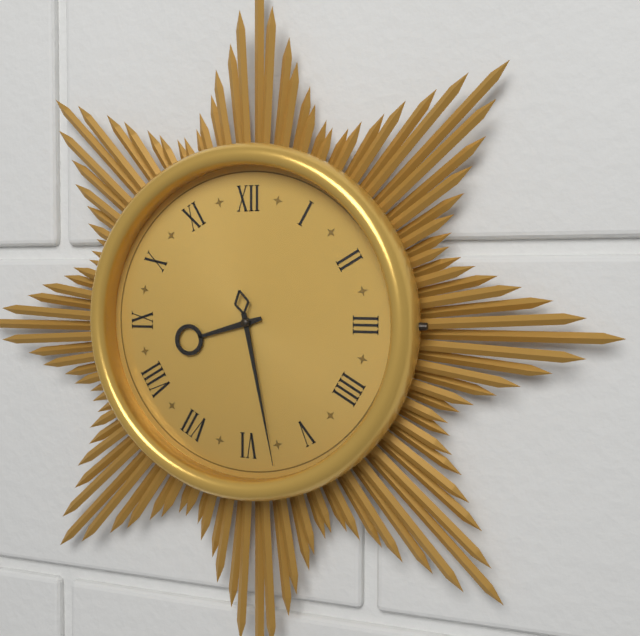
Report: 8:28
